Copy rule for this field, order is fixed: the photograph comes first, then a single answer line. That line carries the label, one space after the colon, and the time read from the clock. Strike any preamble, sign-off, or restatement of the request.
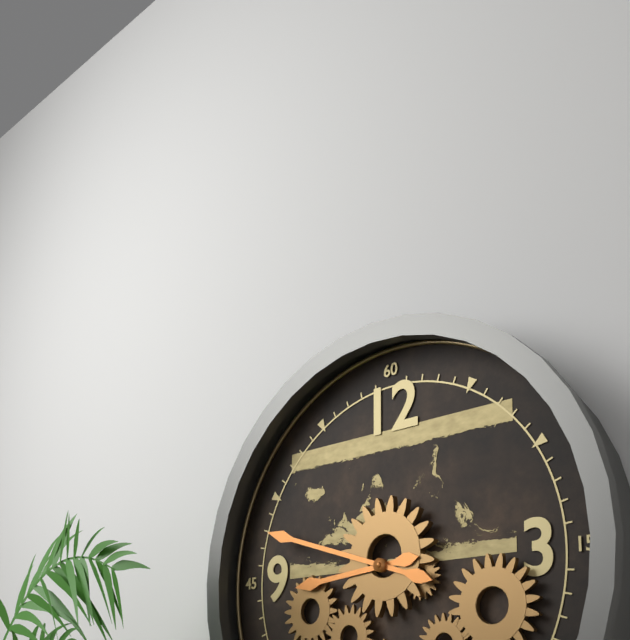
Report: 8:48
